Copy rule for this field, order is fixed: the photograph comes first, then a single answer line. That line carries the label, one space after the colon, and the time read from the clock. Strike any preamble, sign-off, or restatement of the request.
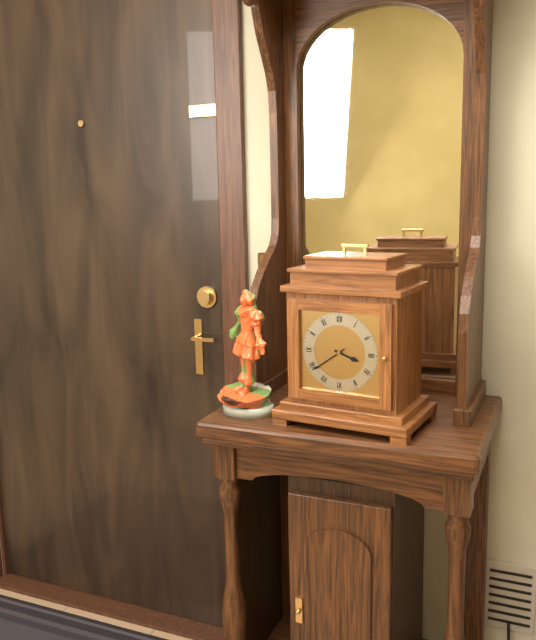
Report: 3:39
